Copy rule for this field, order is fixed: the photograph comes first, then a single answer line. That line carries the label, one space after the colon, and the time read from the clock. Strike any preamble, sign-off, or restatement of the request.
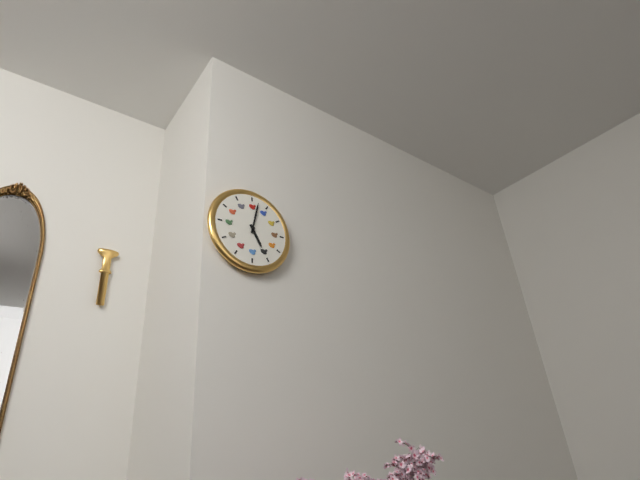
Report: 5:02
